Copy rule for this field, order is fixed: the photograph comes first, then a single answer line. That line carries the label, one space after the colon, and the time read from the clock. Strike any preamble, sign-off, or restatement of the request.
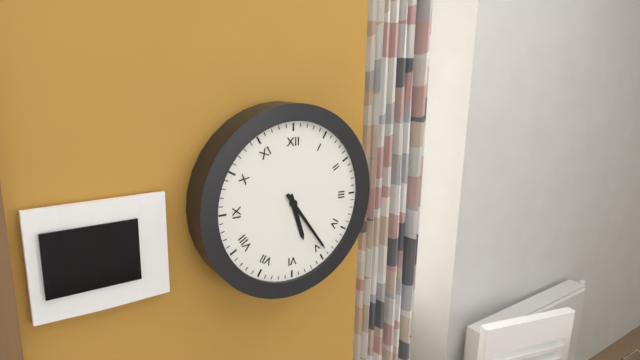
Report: 5:24
